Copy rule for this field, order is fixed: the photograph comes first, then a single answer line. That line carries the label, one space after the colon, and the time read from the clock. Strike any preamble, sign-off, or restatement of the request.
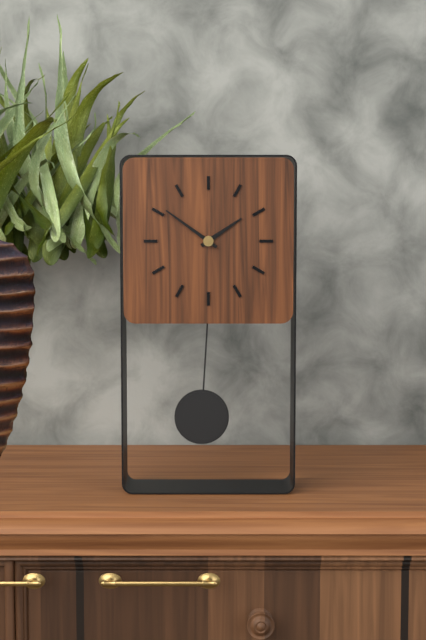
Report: 1:51
